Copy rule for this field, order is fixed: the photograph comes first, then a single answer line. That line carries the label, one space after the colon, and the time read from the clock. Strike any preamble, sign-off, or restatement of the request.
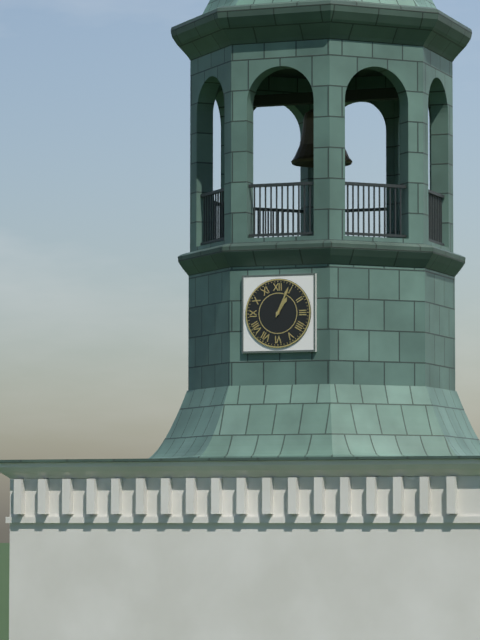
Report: 1:04
